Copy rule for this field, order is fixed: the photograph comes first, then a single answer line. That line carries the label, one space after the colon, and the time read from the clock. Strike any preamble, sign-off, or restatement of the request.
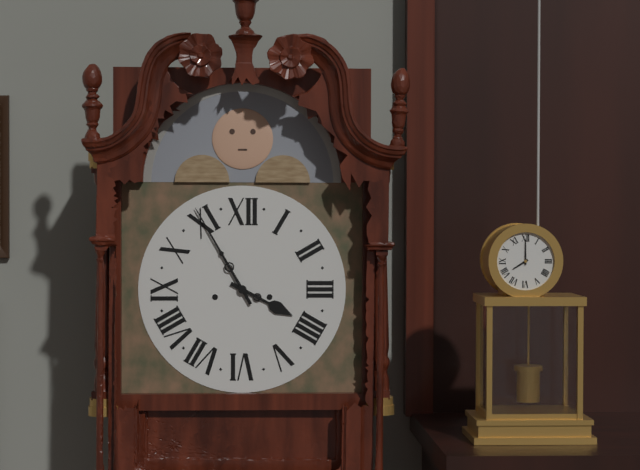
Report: 3:55
